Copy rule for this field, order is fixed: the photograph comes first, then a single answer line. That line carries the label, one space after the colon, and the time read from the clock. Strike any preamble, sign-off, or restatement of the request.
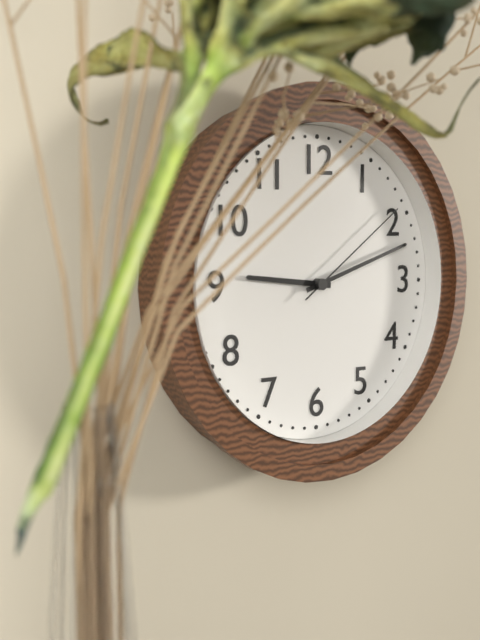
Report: 9:12:09
